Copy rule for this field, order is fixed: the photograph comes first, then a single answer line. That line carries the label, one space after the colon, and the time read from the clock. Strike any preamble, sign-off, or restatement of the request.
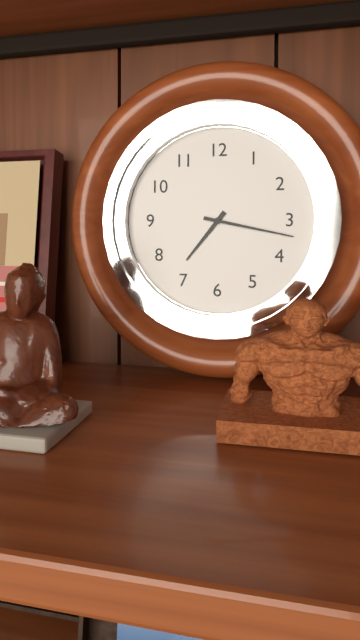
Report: 7:17
